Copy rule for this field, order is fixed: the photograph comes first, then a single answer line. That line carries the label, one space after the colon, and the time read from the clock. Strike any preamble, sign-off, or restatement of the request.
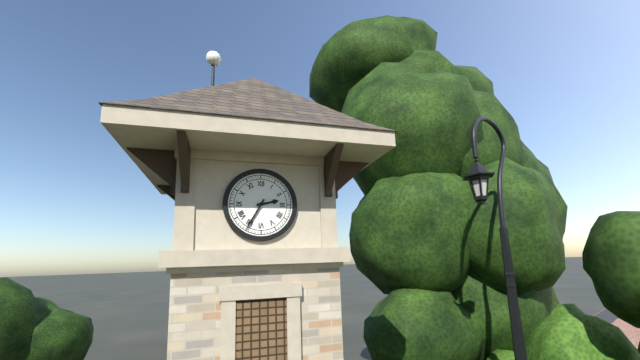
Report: 2:35
